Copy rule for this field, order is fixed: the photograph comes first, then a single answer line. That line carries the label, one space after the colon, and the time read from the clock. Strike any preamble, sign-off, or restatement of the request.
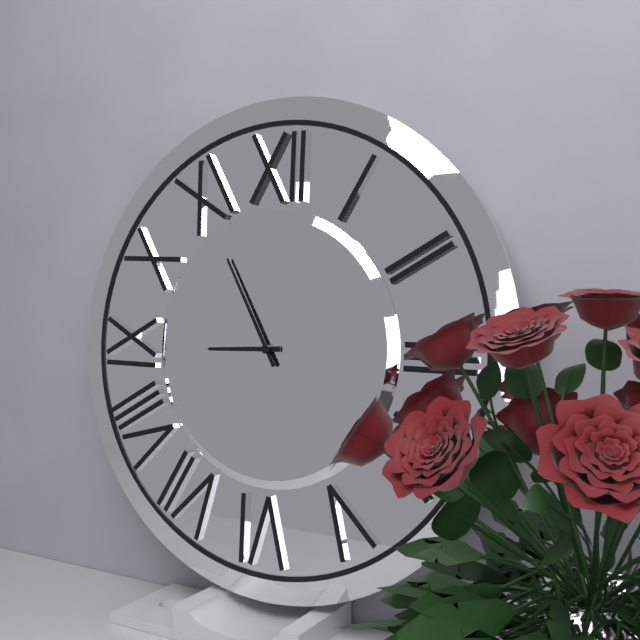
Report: 8:55
